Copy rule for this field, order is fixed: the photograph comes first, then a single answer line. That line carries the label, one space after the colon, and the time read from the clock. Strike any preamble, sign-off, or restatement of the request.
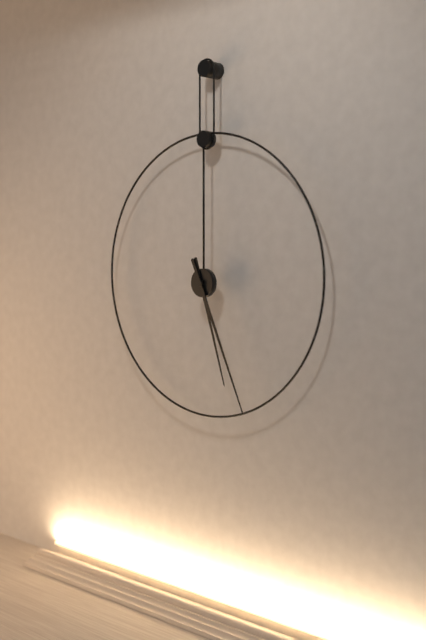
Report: 5:26
